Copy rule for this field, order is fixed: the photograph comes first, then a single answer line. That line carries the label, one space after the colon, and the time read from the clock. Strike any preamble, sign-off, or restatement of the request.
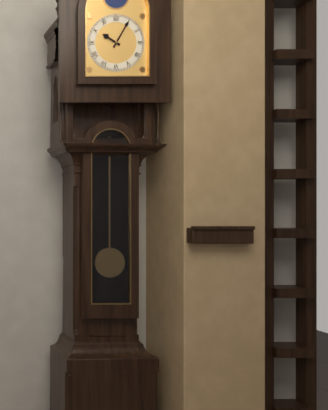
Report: 10:05
